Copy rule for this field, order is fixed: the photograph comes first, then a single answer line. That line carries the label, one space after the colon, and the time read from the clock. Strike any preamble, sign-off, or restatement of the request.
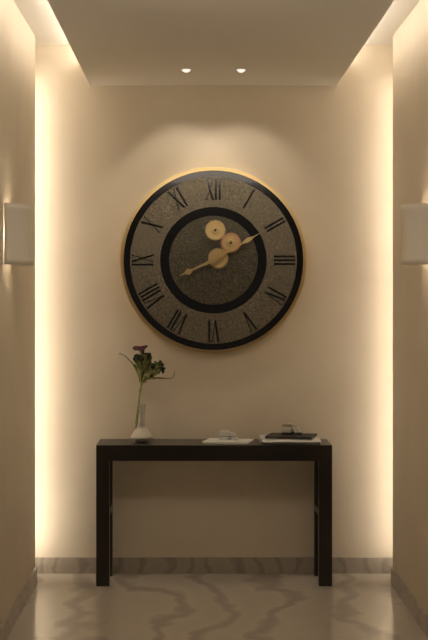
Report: 8:10
